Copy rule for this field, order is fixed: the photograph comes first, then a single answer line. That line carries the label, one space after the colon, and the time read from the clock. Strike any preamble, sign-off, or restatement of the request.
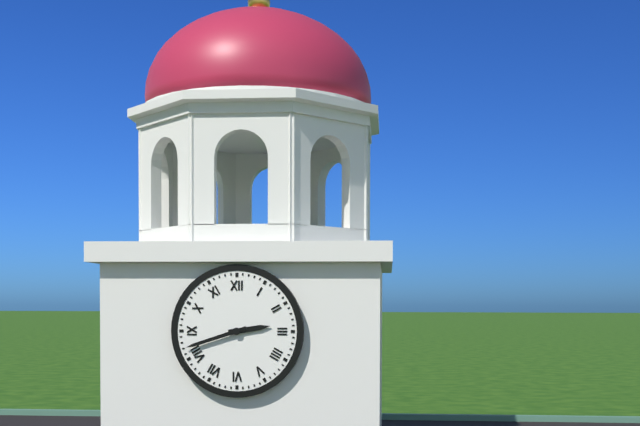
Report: 2:42
